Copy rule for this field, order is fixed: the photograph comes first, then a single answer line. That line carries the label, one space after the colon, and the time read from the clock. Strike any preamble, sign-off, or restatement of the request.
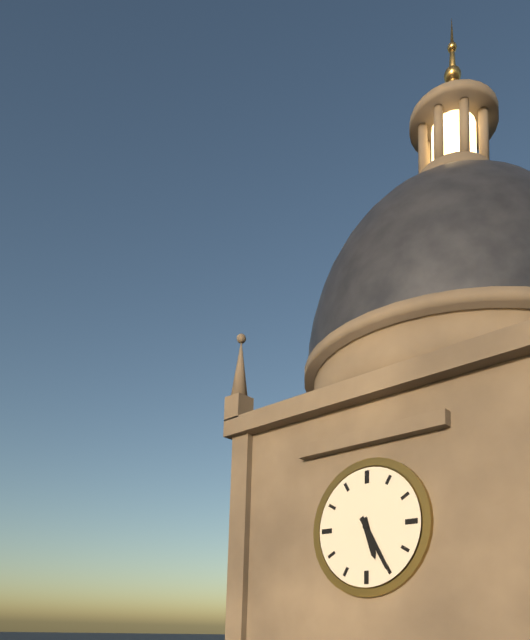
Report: 5:25
